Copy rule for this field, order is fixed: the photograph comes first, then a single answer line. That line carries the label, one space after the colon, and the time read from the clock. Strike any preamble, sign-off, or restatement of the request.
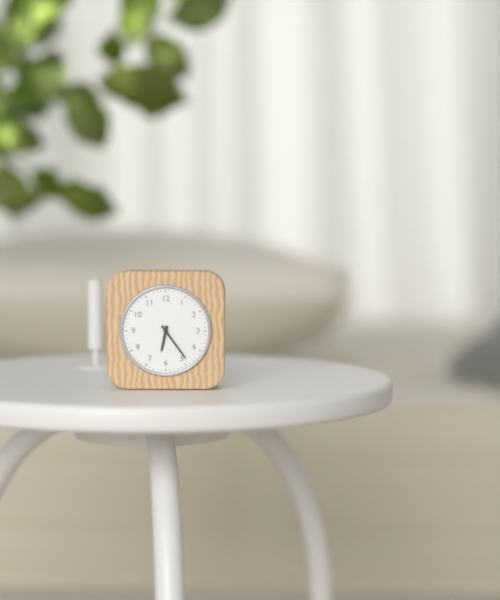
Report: 6:24
